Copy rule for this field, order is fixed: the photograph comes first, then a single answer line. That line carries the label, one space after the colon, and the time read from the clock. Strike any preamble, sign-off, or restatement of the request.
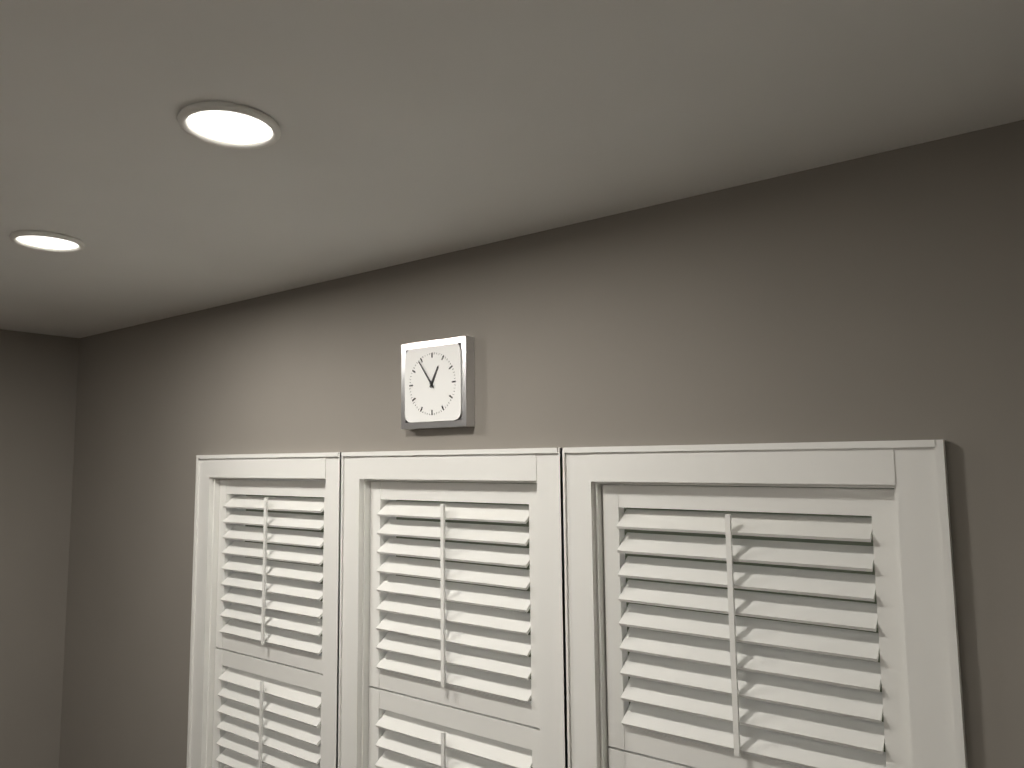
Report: 12:54
